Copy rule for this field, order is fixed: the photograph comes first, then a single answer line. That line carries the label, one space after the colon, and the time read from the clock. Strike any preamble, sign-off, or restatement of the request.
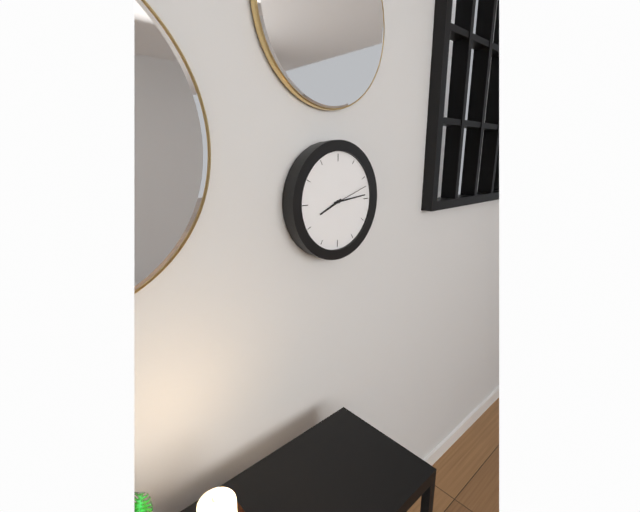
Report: 8:14
